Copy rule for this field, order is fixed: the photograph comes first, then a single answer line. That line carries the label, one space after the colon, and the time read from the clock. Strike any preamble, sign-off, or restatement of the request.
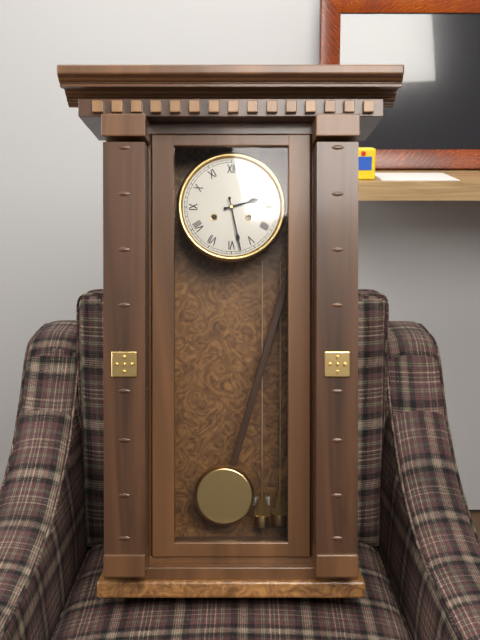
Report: 2:28
